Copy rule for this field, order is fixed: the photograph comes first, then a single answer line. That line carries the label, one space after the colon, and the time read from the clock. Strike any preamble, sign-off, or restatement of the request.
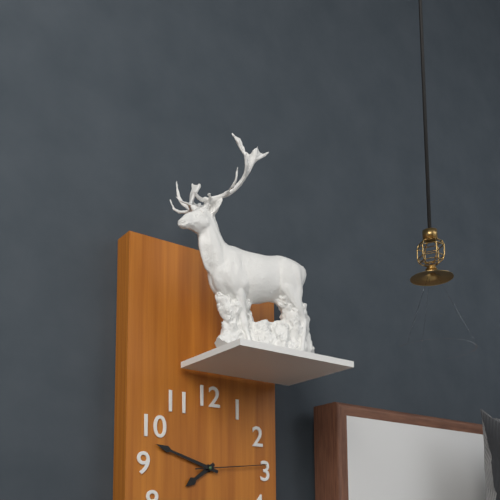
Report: 7:48:14
